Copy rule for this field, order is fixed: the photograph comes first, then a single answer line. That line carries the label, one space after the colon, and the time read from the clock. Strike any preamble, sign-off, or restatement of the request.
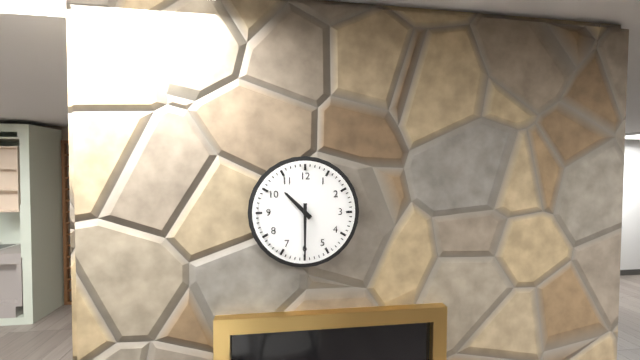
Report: 10:30
